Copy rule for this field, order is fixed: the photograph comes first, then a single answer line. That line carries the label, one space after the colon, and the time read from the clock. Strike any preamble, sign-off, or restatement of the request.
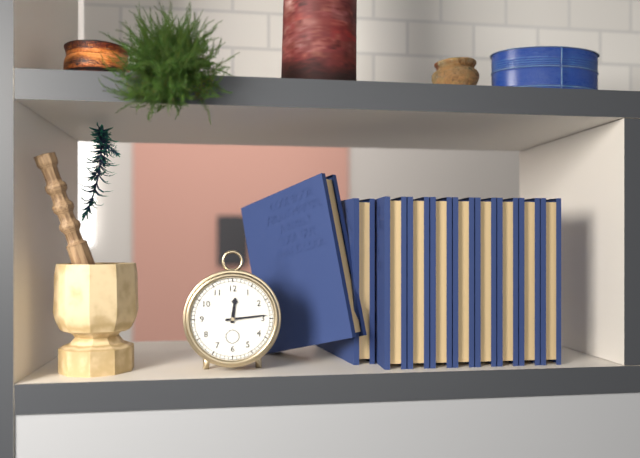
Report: 12:14
